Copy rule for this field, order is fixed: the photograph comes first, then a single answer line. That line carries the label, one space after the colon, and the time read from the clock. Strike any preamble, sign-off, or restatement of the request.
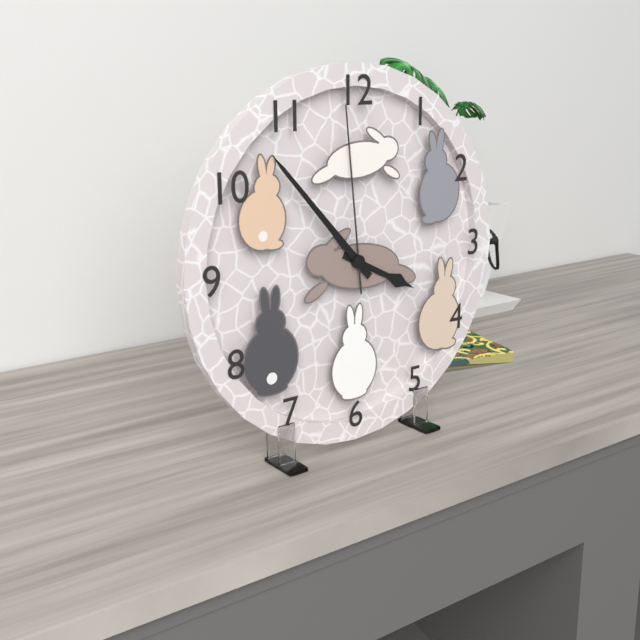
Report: 3:53:59
